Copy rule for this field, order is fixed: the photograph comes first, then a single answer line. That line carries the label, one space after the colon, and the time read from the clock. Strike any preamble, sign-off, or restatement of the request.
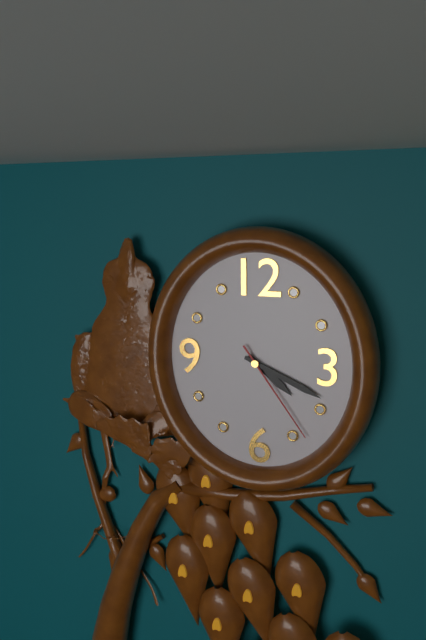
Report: 4:19:24
